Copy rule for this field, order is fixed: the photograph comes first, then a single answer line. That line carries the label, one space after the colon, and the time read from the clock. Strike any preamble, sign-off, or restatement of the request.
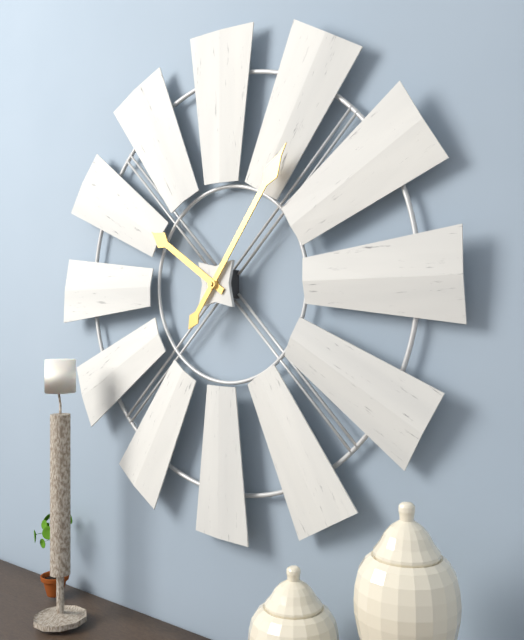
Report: 10:06
